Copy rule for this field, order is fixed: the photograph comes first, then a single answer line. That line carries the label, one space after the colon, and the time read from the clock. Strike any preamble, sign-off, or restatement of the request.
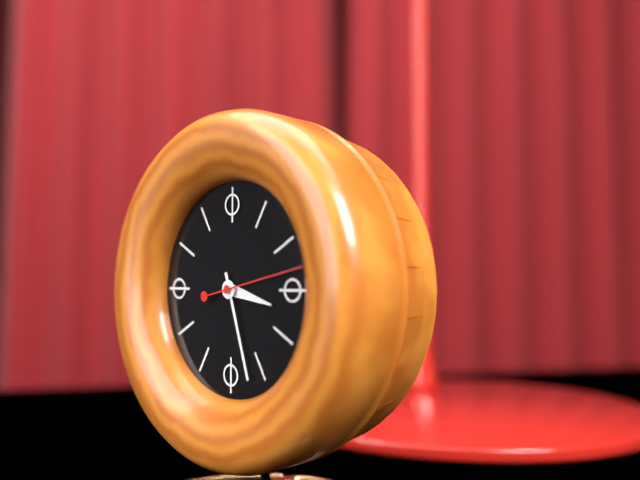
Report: 3:27:13
